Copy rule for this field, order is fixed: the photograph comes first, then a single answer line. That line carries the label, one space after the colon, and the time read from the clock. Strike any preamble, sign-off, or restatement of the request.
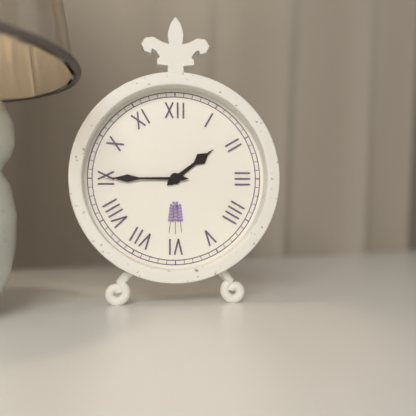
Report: 1:45
